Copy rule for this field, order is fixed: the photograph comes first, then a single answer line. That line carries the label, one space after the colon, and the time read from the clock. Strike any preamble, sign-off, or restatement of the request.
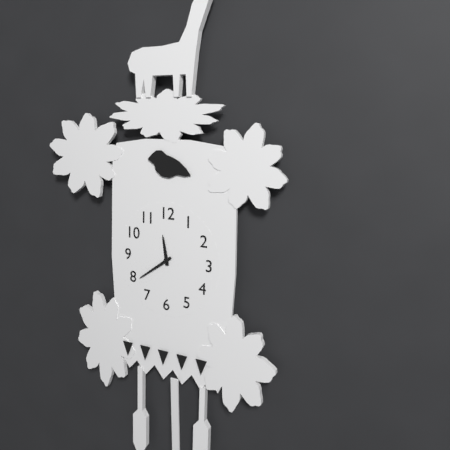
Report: 11:39
